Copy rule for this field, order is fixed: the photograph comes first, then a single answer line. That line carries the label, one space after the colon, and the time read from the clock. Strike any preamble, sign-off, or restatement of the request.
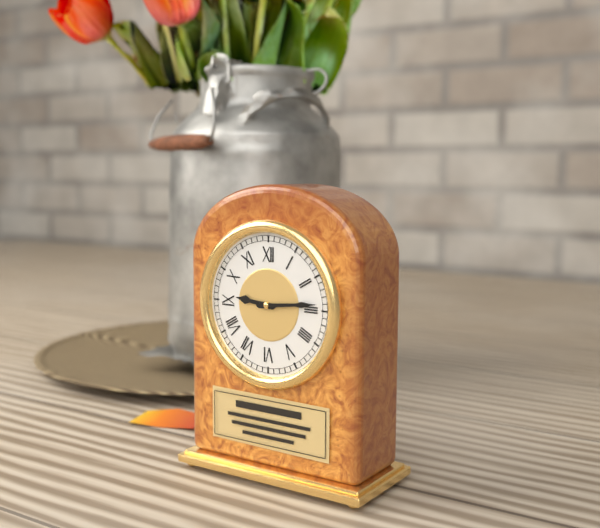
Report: 9:14
